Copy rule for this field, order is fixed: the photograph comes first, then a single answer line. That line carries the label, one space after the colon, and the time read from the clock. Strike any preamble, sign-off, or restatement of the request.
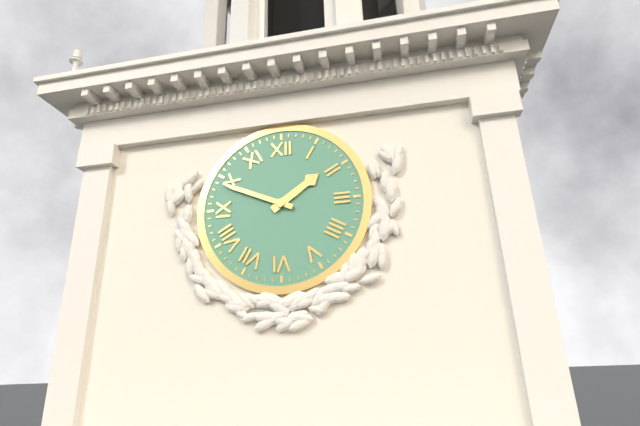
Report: 1:49
